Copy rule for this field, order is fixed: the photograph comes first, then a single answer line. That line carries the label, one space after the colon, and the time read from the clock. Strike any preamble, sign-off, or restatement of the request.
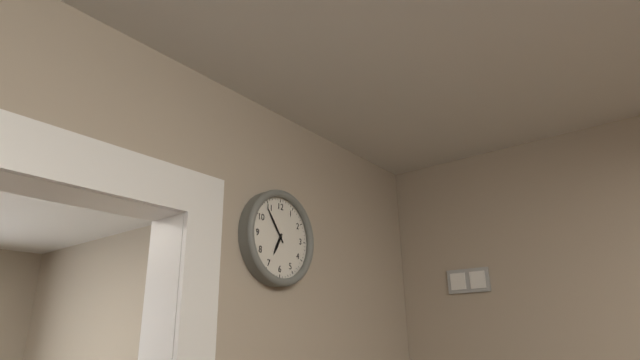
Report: 6:54
